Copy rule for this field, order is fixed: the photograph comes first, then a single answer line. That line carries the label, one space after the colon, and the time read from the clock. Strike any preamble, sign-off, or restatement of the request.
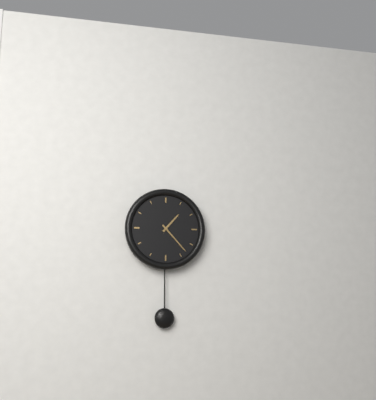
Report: 1:23
